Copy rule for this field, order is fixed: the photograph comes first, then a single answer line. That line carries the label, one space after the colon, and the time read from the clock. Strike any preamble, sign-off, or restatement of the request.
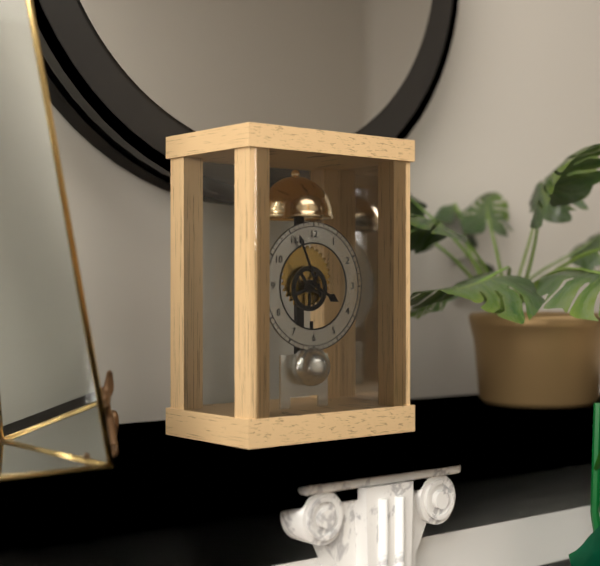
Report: 3:56
